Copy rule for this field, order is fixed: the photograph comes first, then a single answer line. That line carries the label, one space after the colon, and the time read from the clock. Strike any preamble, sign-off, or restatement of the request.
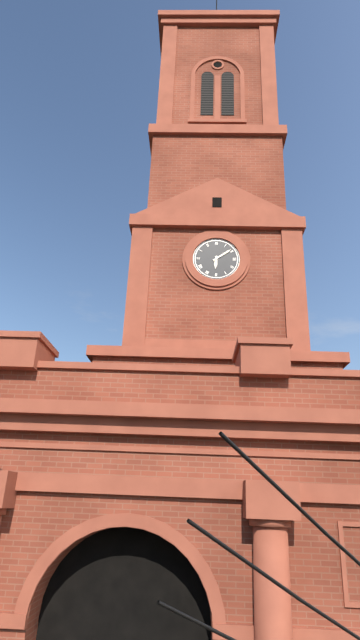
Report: 6:09
